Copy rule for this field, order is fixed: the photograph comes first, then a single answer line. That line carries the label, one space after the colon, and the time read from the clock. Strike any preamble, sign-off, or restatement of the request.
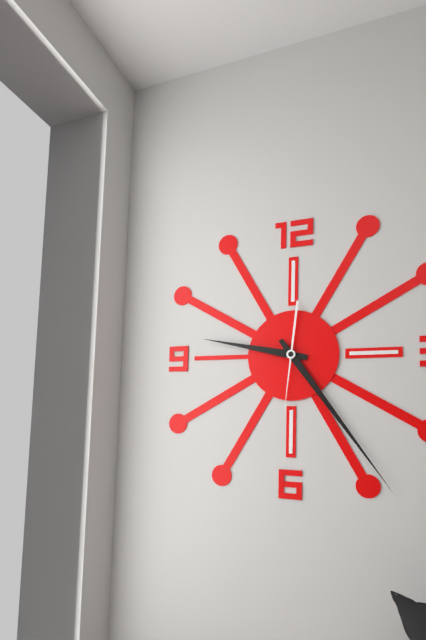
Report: 9:24:31
